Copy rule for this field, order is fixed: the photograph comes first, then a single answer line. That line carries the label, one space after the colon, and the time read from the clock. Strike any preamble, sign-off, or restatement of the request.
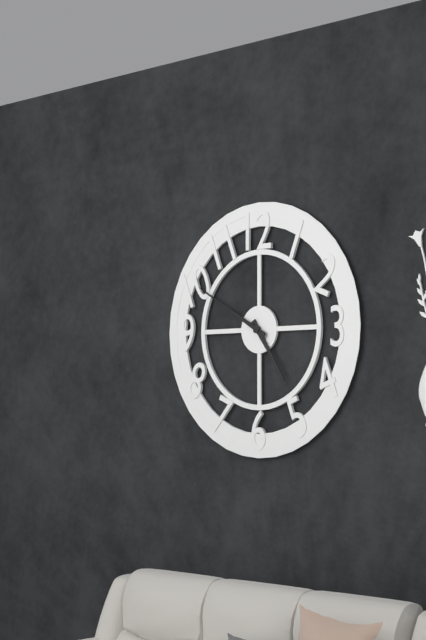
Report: 4:50
